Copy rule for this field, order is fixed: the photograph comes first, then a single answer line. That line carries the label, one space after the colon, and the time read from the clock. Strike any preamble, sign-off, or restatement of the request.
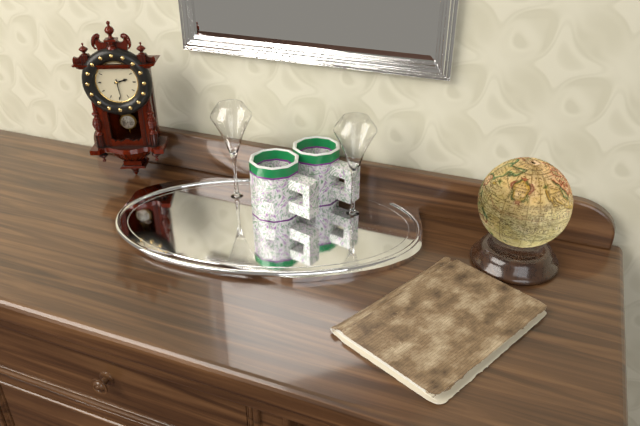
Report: 2:29
